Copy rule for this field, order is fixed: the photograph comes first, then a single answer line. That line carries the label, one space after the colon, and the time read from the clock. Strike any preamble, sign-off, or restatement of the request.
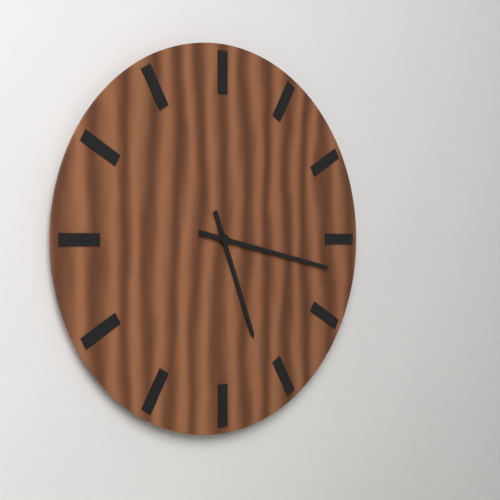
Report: 5:17
